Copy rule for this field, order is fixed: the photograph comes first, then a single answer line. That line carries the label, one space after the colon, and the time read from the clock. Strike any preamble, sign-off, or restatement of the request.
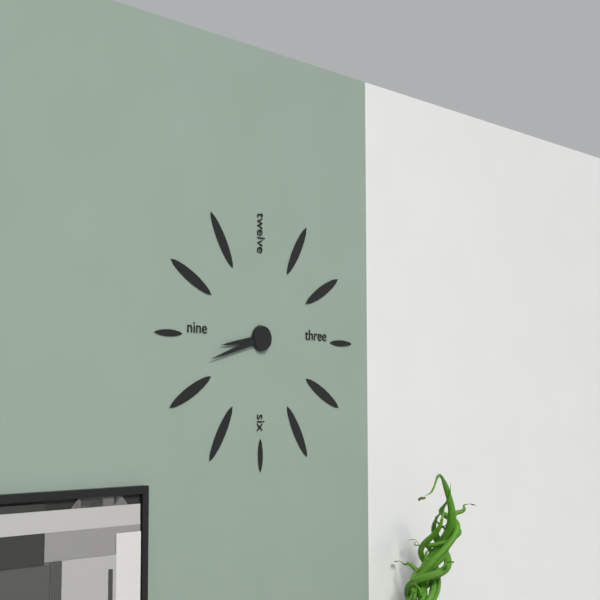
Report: 8:42
